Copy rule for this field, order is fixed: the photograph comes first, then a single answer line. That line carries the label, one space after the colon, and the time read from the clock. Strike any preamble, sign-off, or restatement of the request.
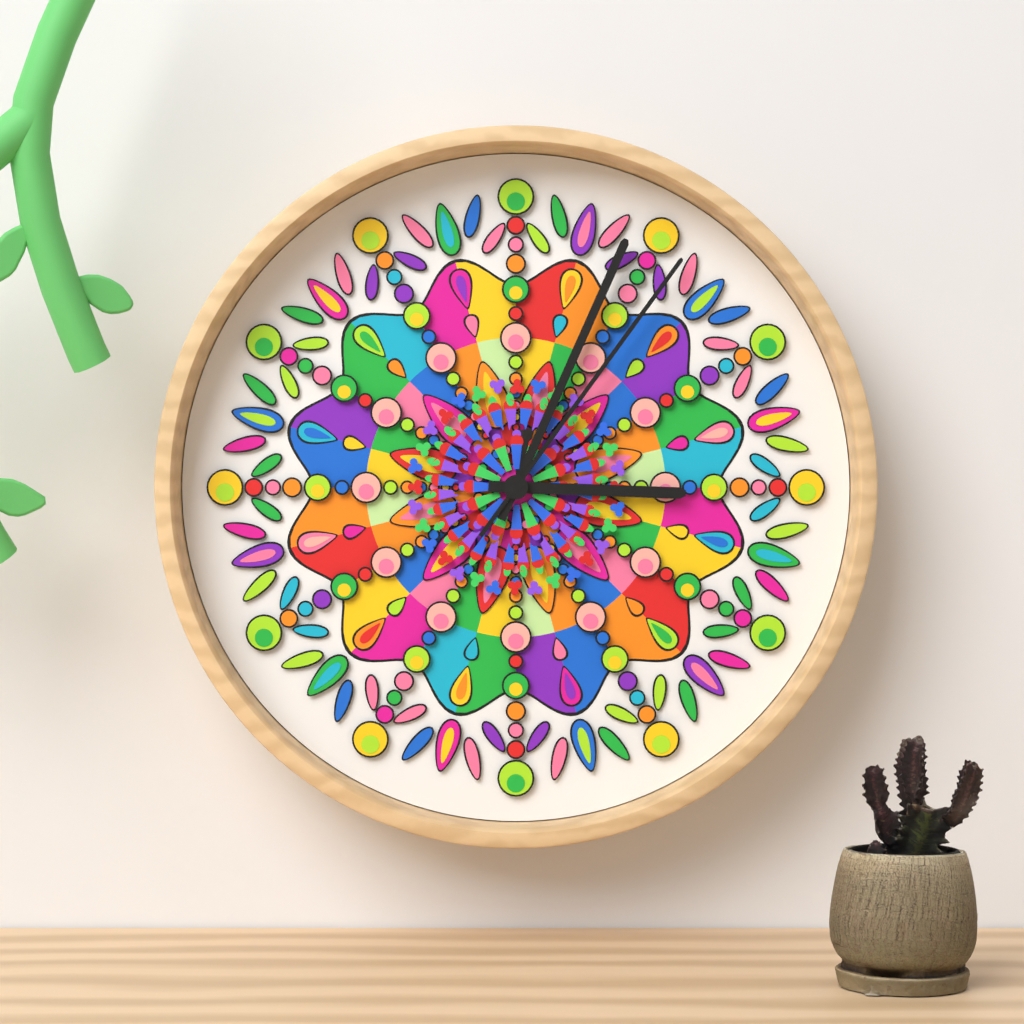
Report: 3:04:06
